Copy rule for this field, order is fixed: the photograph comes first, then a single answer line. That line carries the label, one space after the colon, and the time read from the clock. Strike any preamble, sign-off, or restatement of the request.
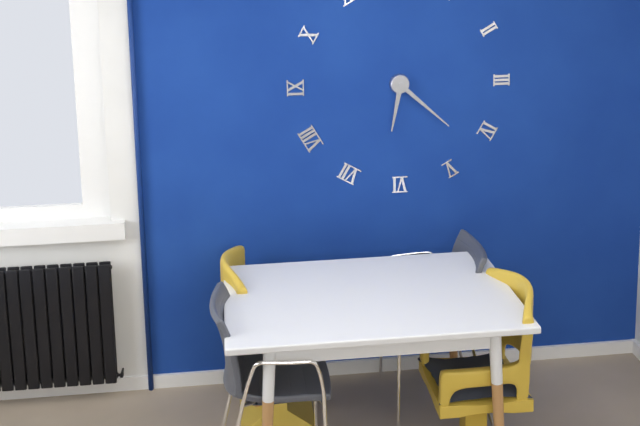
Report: 6:22
